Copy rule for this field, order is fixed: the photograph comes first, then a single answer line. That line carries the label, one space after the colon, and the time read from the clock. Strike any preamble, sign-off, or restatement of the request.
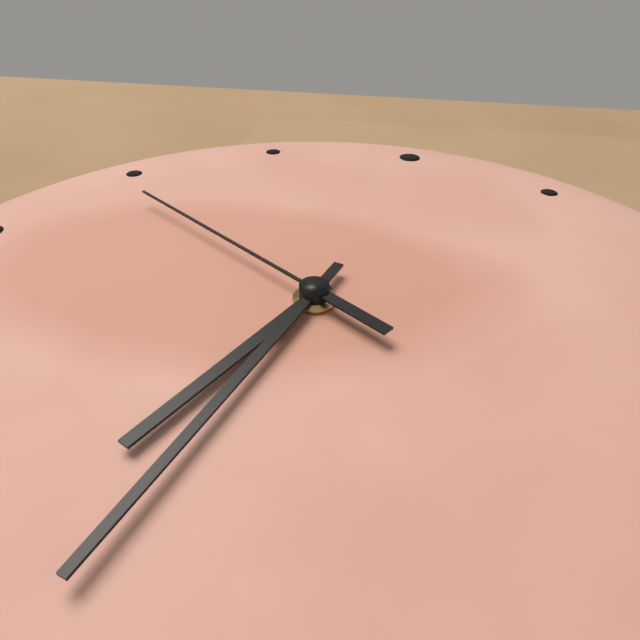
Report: 6:31:49
